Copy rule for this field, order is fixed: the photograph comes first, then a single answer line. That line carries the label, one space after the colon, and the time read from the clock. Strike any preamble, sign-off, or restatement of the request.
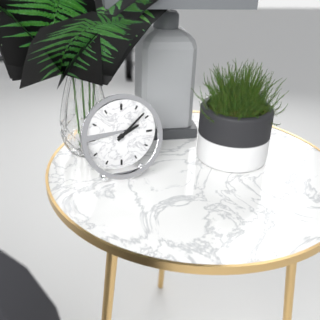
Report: 2:08
